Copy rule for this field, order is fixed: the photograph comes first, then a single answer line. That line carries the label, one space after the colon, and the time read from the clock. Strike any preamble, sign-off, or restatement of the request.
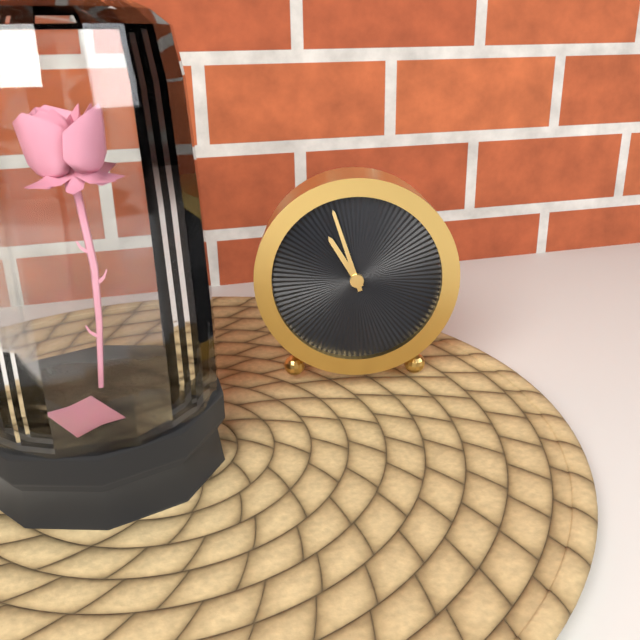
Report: 10:57
